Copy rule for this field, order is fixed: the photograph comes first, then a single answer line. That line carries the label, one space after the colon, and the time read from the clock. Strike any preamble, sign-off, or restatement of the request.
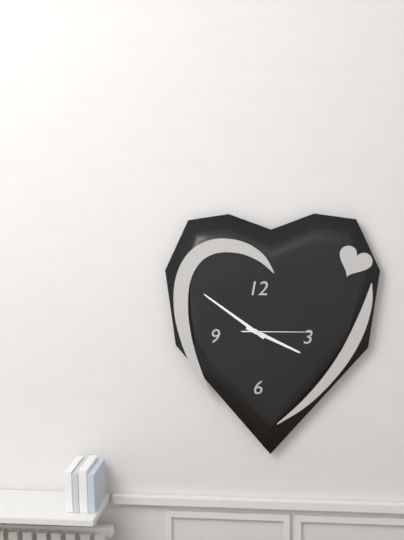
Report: 3:51:15
